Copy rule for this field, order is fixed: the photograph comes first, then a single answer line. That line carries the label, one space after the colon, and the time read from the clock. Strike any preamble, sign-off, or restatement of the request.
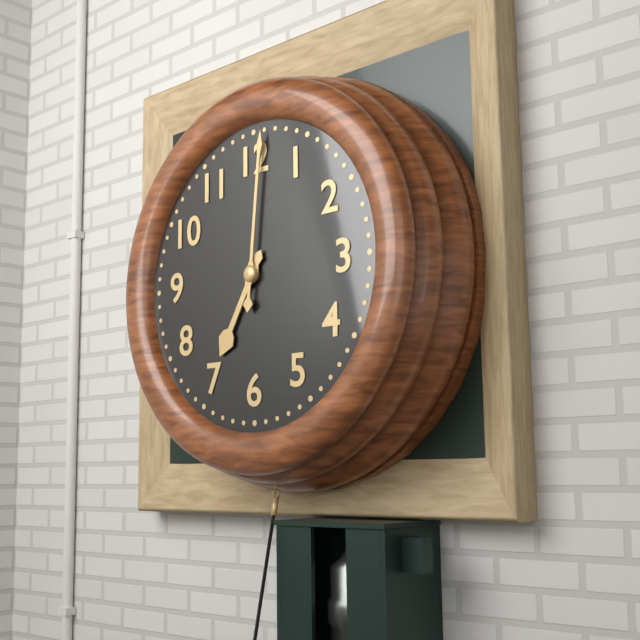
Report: 7:01
